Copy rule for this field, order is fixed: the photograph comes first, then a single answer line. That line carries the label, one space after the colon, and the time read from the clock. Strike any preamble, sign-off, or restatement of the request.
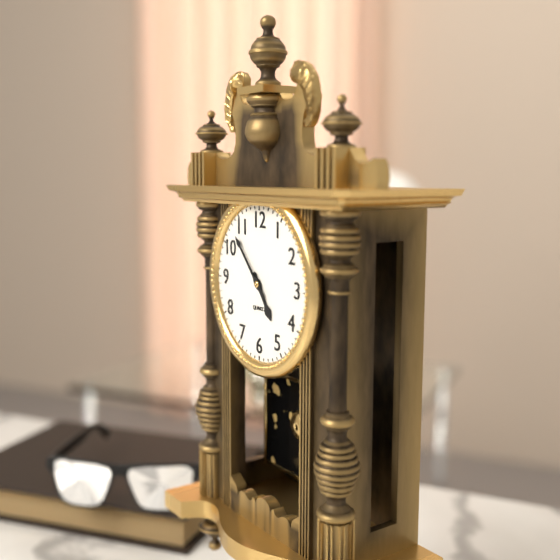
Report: 4:53
